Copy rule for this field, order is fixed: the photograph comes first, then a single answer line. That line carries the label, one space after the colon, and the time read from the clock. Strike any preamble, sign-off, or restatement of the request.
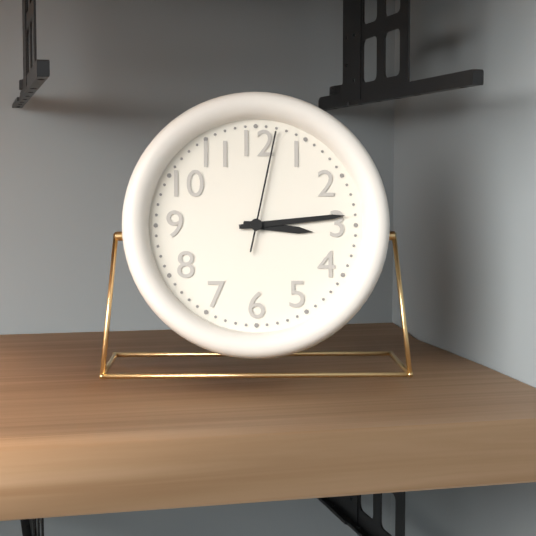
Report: 3:14:02
